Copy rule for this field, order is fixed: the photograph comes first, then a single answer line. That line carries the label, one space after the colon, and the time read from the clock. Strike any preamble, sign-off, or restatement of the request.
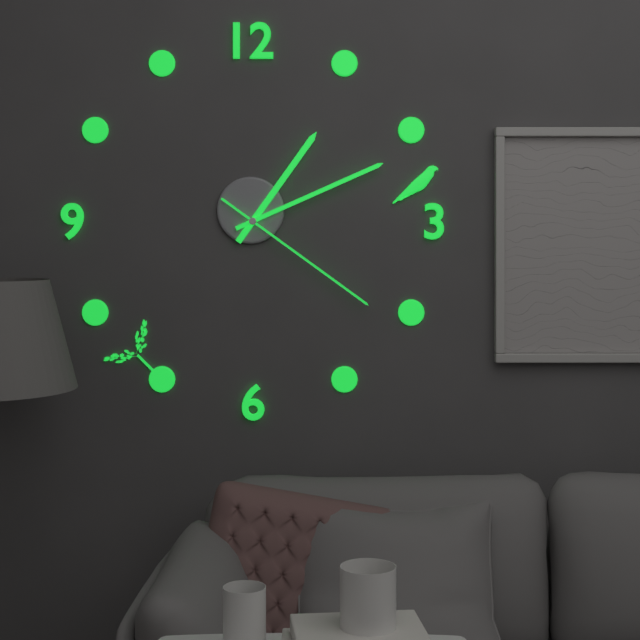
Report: 1:11:21
